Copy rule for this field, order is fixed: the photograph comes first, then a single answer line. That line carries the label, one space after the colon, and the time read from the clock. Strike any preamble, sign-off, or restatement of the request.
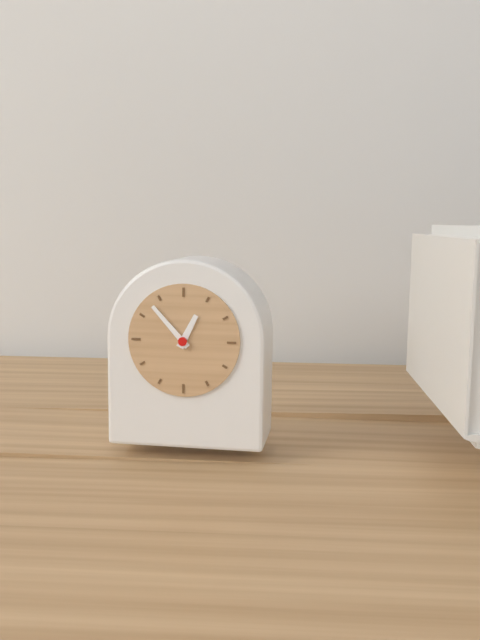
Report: 12:53
